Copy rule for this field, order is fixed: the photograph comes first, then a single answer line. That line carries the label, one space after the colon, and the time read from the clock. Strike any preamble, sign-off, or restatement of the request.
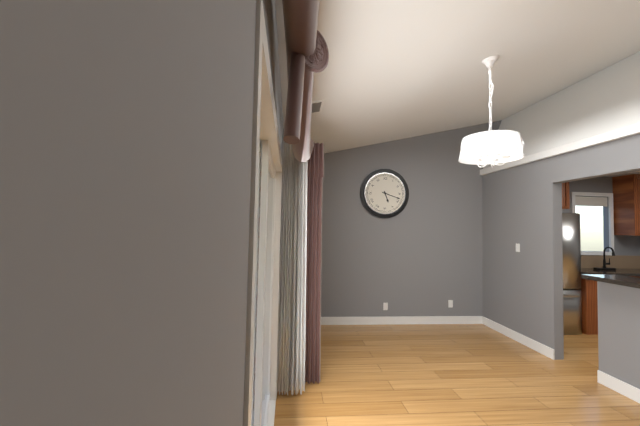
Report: 5:18
